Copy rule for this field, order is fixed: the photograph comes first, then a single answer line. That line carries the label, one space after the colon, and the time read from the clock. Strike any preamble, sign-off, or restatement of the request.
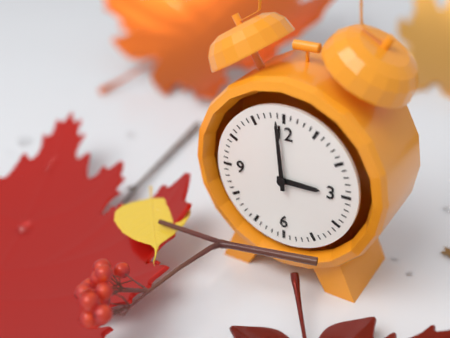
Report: 2:59
